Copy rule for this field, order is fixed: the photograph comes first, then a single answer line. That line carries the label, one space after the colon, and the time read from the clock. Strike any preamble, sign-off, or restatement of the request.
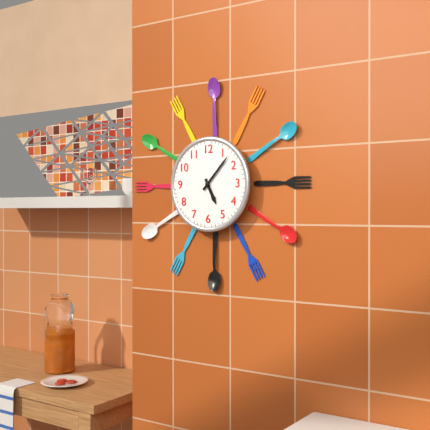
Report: 5:07
